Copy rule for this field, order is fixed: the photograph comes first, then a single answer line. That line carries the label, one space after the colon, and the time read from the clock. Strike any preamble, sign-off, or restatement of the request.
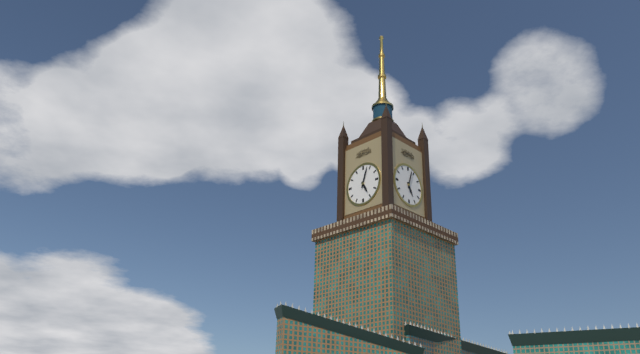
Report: 5:03
